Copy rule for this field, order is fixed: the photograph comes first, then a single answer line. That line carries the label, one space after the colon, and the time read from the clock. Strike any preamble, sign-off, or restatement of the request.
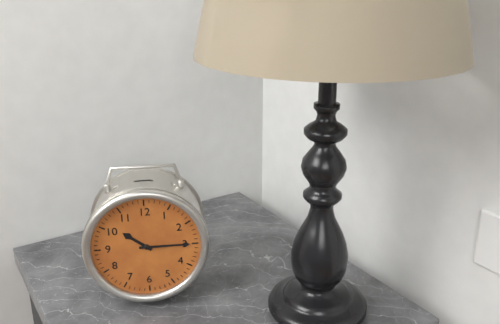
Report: 10:15
